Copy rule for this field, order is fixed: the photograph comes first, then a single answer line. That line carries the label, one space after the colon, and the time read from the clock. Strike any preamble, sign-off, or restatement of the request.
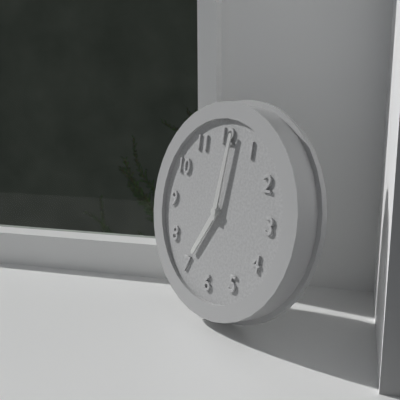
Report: 7:01
